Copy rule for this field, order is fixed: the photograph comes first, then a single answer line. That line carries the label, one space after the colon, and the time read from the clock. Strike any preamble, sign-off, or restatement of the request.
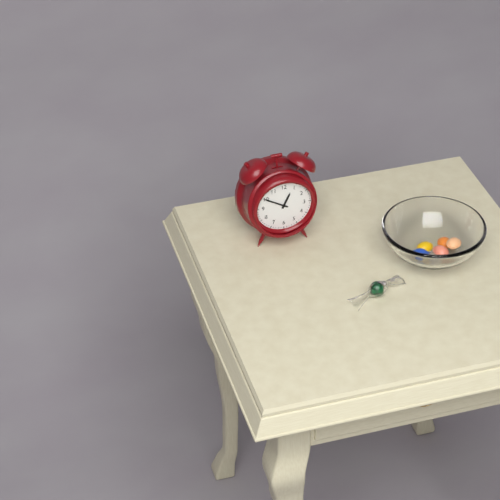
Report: 12:50
